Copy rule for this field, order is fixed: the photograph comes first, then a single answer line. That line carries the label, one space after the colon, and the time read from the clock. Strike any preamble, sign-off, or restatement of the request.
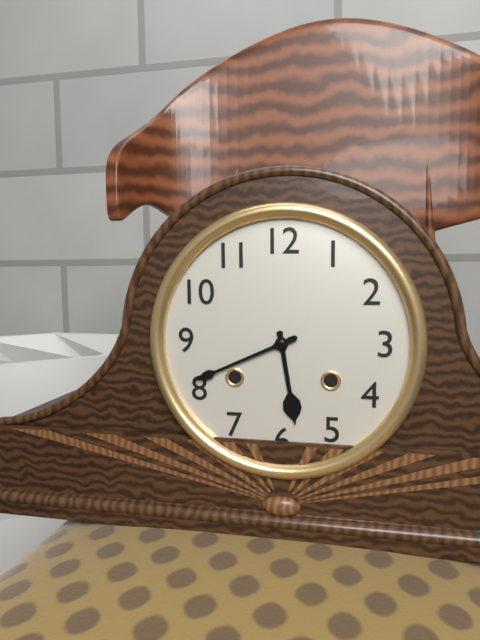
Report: 5:41
